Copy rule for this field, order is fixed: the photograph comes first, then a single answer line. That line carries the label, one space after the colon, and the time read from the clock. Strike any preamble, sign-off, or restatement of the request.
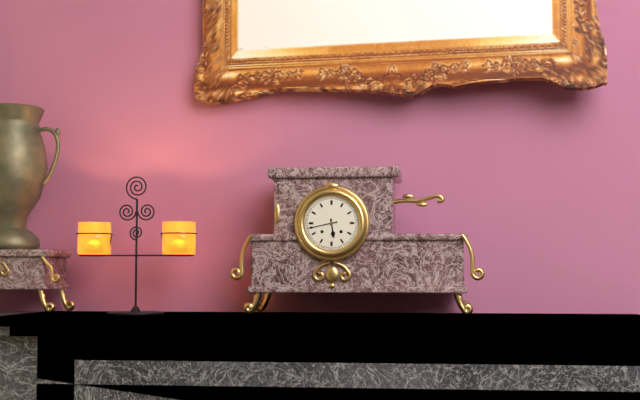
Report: 5:43
